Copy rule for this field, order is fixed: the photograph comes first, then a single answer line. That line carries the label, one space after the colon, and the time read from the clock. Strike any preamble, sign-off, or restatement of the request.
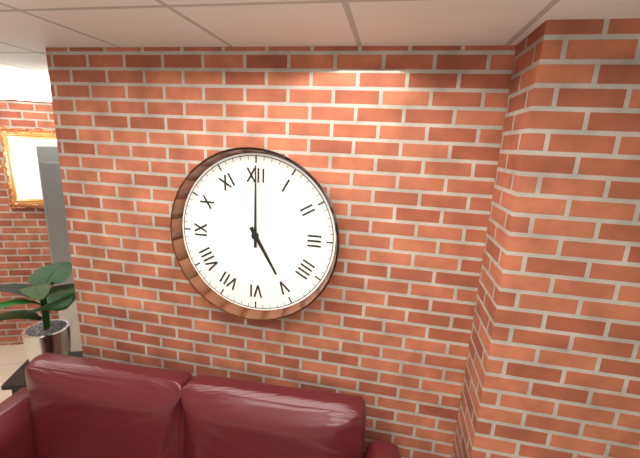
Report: 5:00
